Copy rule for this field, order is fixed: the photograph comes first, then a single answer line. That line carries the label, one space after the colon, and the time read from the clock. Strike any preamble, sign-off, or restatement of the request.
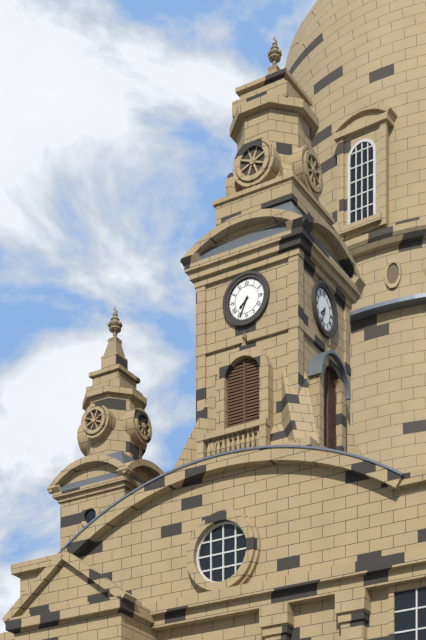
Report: 7:34
